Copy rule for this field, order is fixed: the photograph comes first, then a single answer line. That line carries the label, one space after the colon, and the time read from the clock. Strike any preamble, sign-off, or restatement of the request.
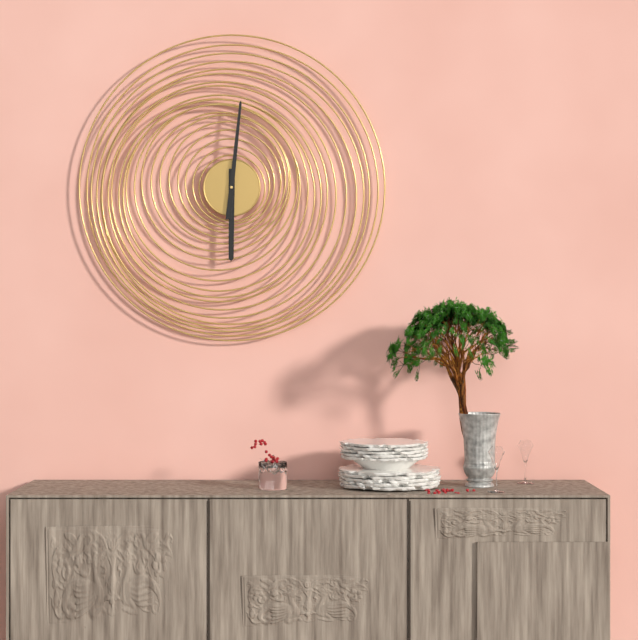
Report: 6:01
